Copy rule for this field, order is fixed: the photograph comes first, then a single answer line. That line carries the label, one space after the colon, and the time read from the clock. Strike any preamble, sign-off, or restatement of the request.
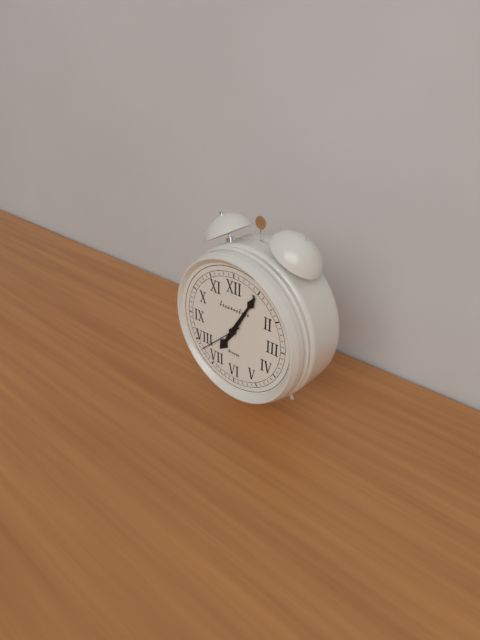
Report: 7:05
